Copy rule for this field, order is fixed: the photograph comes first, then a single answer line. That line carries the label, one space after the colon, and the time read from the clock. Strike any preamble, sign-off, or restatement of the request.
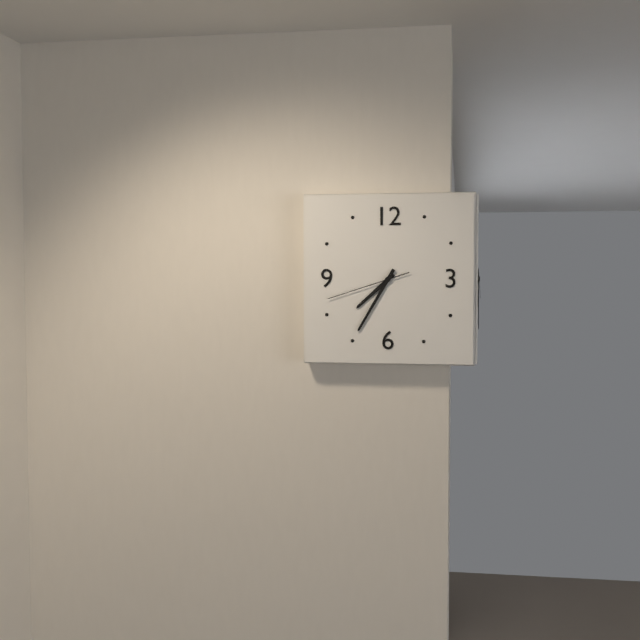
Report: 7:35:42
